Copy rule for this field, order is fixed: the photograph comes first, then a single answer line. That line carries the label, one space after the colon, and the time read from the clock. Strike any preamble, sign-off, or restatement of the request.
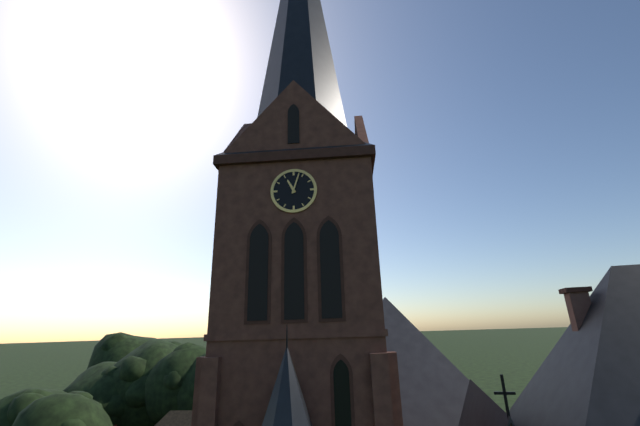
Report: 11:03
